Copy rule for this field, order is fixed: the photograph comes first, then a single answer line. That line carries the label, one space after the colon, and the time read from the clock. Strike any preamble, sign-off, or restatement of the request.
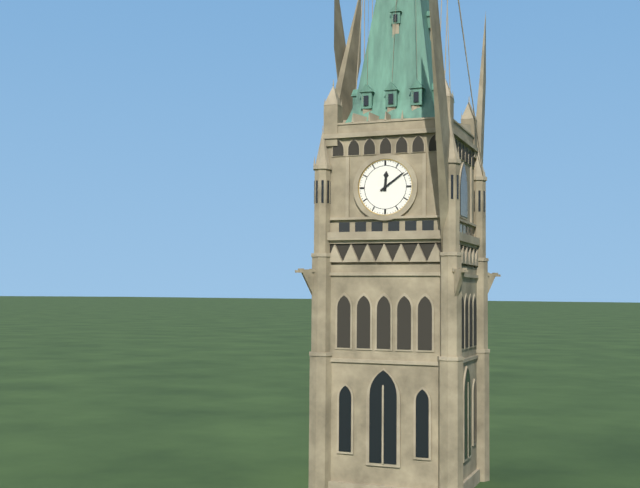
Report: 12:09
